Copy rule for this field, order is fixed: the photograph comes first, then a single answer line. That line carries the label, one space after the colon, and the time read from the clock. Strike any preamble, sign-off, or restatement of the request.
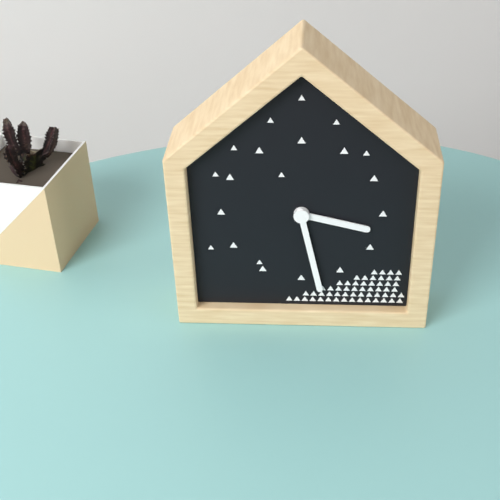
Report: 3:28
